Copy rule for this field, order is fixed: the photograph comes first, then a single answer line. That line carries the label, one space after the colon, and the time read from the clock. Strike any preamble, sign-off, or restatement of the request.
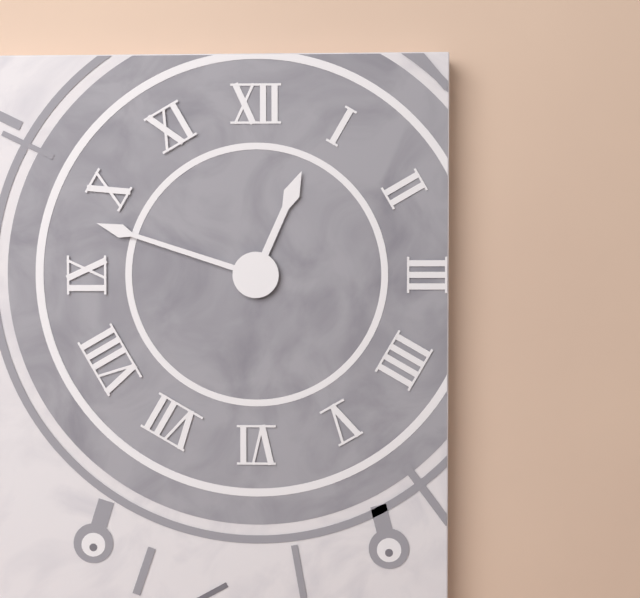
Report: 12:48
